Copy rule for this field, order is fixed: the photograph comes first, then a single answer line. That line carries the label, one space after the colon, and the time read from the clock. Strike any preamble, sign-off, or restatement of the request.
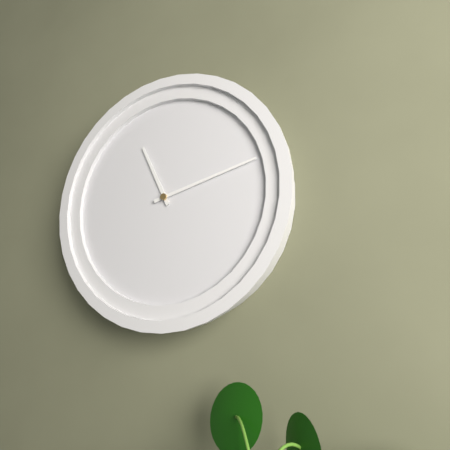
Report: 11:13
